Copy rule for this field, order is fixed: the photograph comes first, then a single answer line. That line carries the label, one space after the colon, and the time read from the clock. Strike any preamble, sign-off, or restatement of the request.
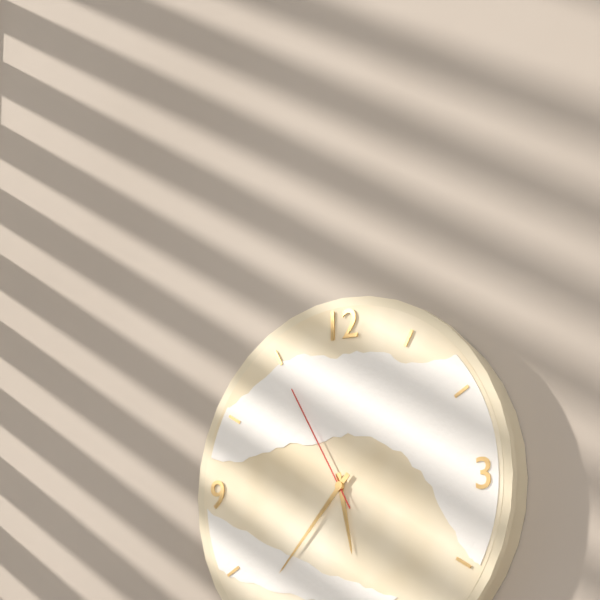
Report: 5:37:55
